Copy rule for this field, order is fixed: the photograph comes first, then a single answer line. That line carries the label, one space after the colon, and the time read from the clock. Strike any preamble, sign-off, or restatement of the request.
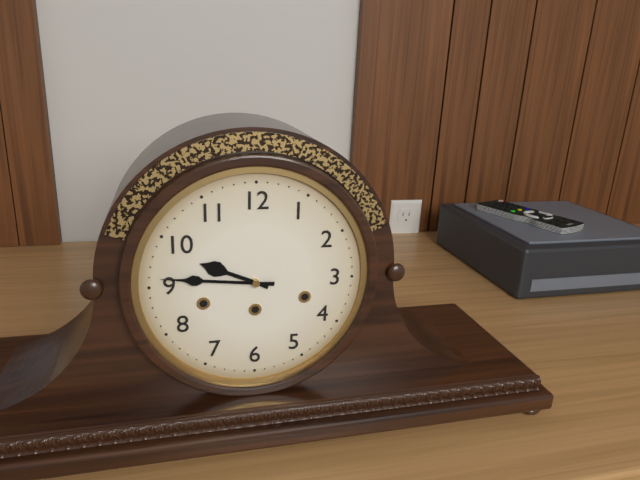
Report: 9:46
